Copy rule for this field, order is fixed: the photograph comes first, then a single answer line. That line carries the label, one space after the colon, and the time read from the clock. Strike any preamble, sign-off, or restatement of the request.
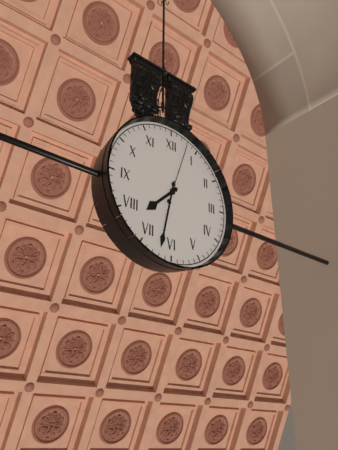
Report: 7:32:03
